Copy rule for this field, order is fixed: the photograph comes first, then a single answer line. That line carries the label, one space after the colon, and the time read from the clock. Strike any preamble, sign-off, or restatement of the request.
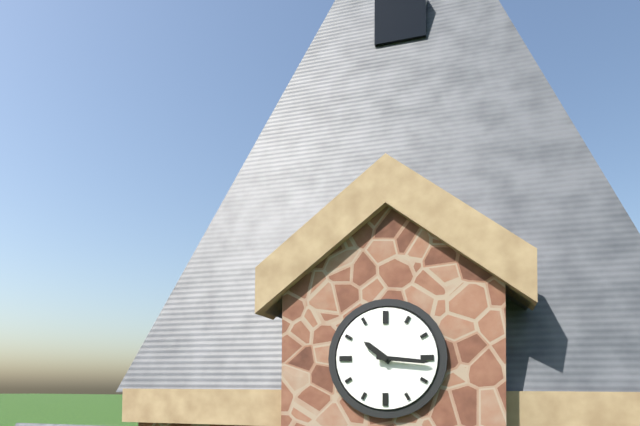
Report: 10:16
